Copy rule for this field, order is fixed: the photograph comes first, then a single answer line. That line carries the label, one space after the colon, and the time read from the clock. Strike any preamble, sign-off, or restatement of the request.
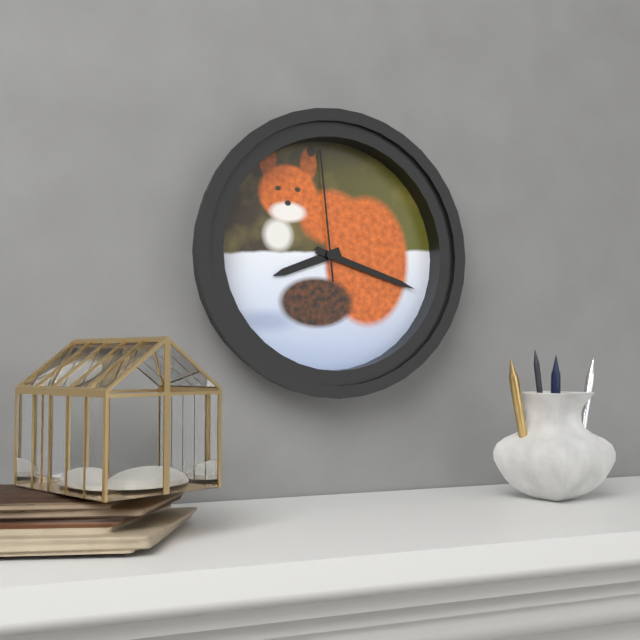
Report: 8:18:59
